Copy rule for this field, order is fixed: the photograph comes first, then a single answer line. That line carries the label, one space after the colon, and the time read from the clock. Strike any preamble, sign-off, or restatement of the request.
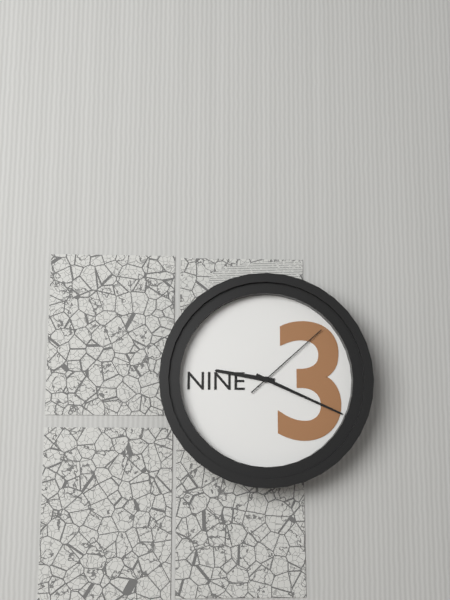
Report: 9:19:08
